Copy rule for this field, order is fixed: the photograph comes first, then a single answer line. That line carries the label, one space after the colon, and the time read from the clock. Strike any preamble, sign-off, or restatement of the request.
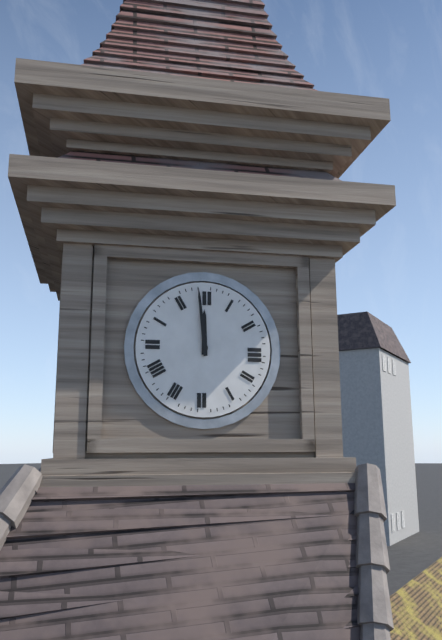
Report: 11:59
